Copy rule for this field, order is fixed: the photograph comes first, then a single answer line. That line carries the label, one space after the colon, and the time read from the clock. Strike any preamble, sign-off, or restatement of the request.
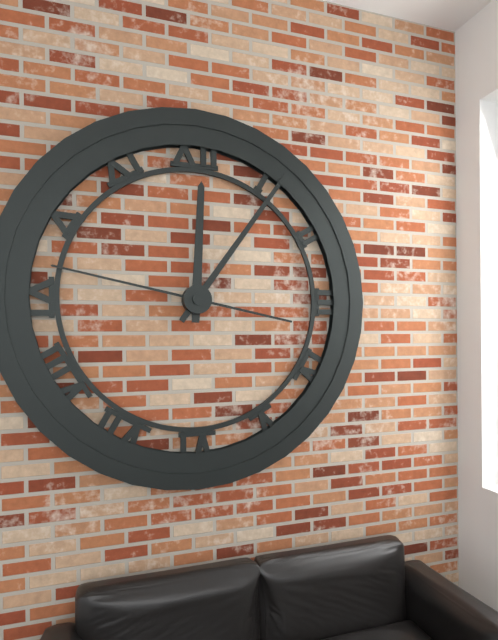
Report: 12:06:47
